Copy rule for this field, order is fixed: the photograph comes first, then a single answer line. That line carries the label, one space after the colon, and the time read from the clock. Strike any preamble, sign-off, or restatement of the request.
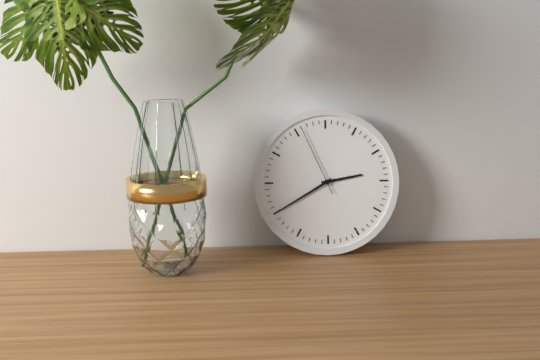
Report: 2:40:56
